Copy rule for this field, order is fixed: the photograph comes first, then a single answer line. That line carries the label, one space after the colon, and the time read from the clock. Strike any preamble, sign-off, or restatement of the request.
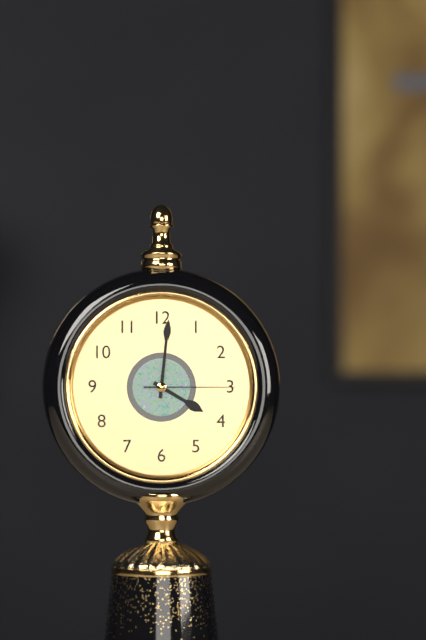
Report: 4:01:15
